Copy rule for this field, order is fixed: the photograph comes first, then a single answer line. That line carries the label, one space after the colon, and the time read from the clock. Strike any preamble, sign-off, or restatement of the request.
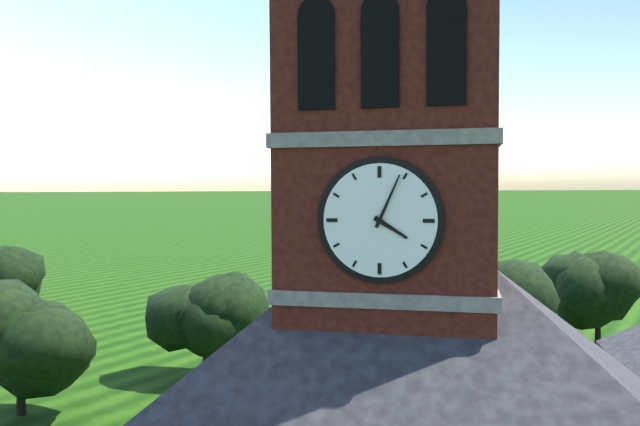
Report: 4:04
